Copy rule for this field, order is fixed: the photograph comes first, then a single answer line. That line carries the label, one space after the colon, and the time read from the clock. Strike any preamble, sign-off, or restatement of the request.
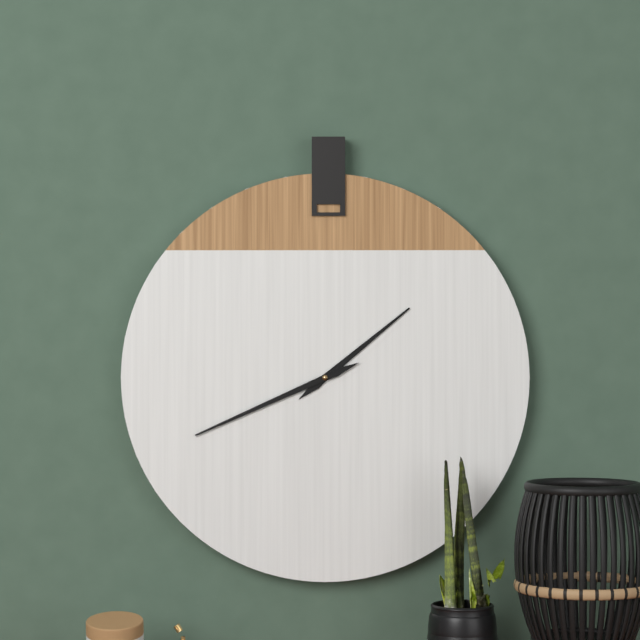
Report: 1:41
